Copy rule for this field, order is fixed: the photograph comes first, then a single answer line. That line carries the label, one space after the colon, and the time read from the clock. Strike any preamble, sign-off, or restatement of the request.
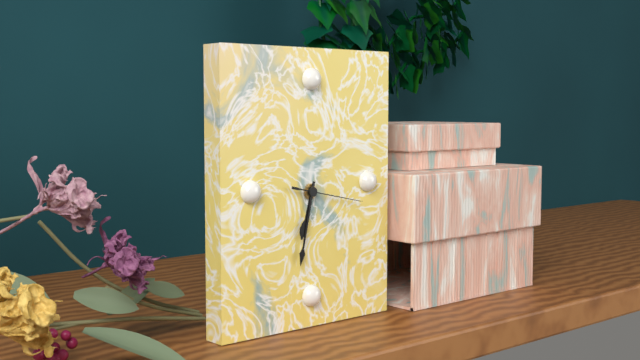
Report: 6:32:17
